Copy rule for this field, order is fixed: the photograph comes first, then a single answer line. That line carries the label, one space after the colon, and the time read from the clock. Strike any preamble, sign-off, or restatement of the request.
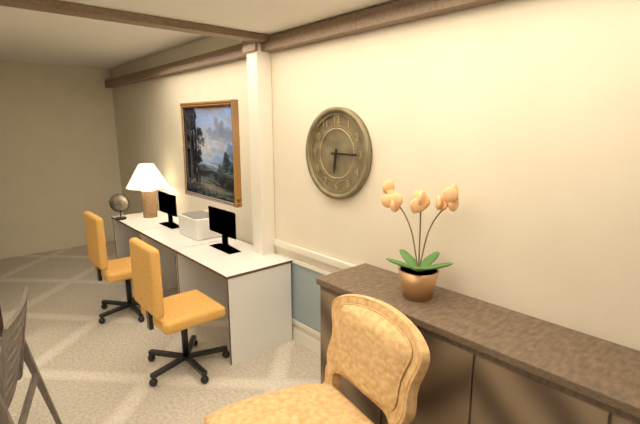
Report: 6:15
